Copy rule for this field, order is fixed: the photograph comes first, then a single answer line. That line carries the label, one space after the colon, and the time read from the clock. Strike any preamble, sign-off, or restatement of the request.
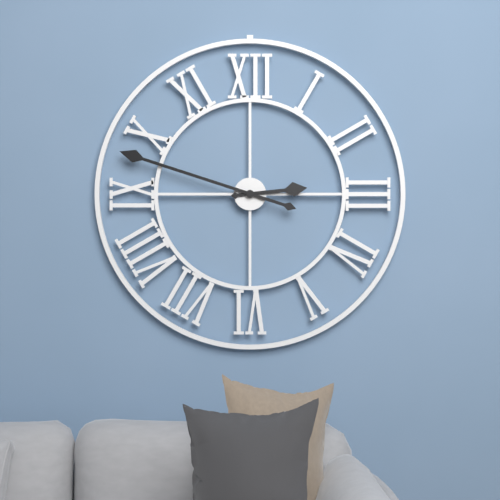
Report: 2:48
